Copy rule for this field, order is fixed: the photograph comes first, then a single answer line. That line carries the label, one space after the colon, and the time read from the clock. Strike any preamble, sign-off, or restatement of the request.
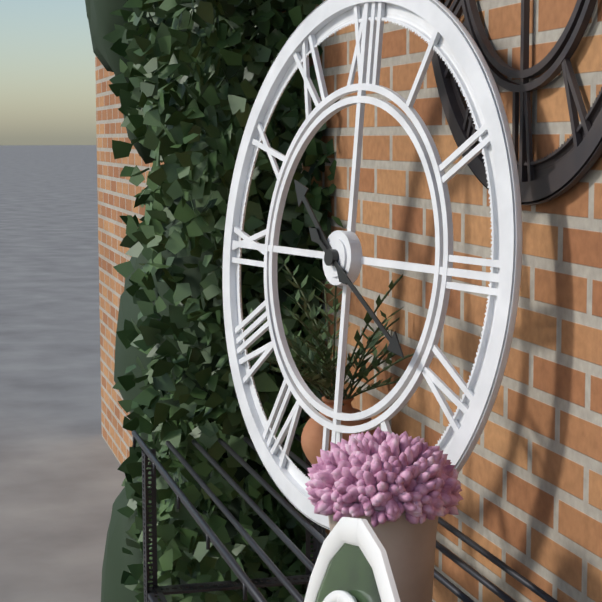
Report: 10:20
